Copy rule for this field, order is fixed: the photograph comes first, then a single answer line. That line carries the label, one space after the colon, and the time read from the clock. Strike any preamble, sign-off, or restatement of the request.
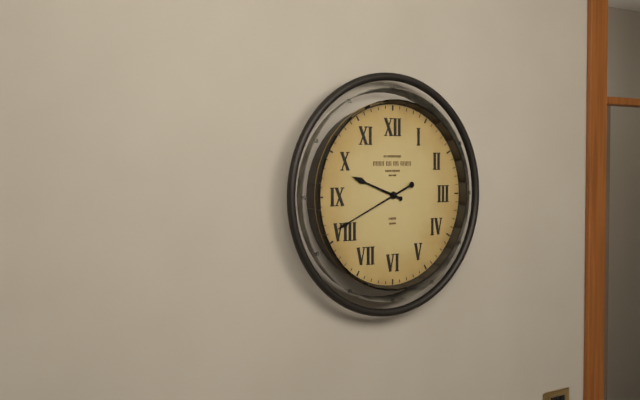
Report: 9:41
